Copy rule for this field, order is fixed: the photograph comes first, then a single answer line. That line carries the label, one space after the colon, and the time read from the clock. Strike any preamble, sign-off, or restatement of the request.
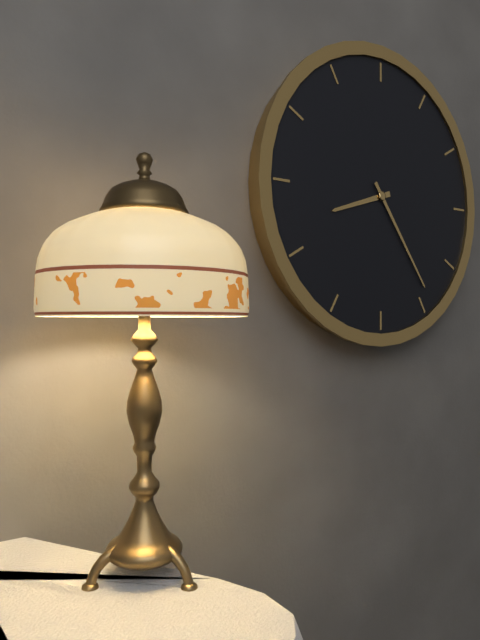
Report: 8:24
